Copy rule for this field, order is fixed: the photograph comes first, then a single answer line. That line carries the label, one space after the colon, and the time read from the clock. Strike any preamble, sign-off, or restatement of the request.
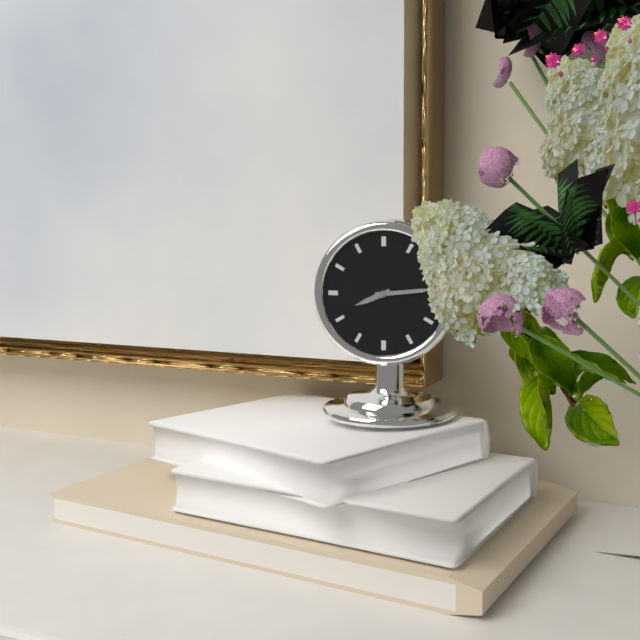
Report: 8:14
